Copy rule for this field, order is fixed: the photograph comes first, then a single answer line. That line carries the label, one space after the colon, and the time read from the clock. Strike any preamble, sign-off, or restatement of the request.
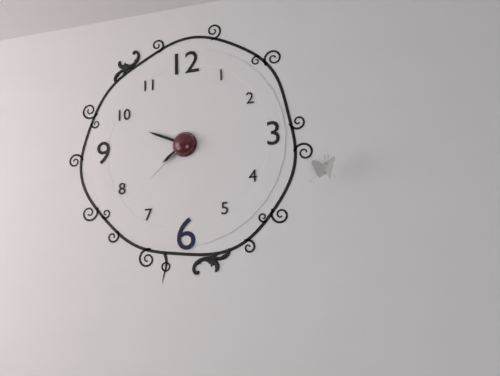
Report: 7:49:38
